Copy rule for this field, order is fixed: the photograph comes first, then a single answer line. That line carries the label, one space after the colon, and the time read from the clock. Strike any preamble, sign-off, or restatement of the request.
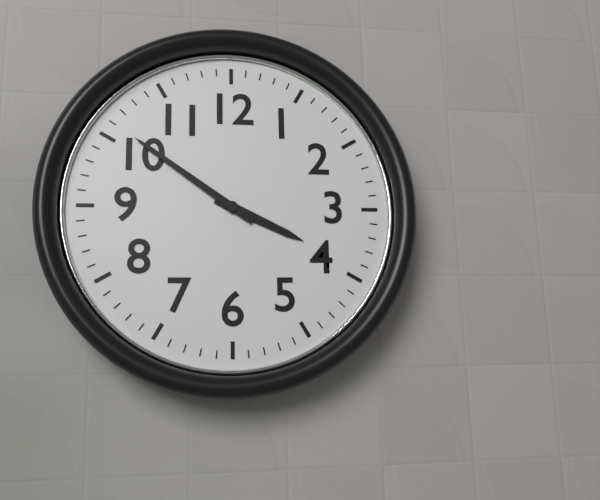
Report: 3:51
